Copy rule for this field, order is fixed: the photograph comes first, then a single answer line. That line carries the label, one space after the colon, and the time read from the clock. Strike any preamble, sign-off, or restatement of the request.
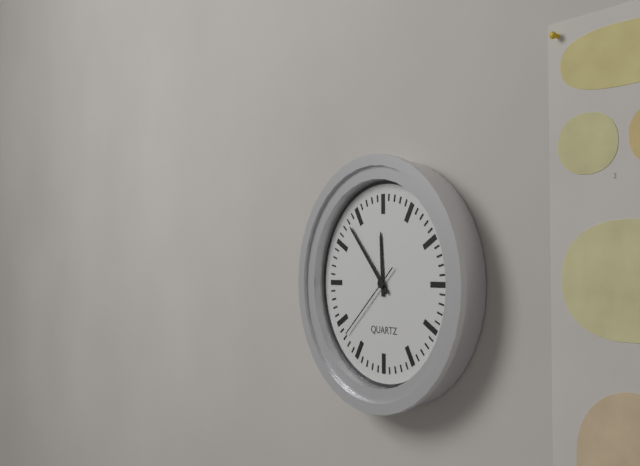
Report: 11:53:38
